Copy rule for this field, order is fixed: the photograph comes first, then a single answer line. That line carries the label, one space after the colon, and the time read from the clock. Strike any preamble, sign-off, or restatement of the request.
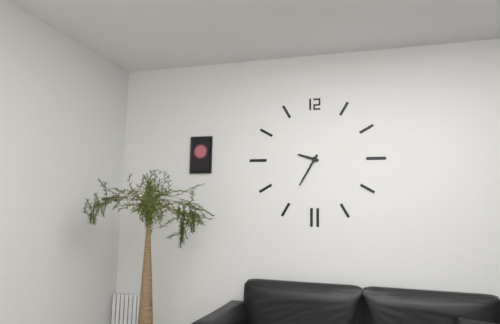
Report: 9:35
